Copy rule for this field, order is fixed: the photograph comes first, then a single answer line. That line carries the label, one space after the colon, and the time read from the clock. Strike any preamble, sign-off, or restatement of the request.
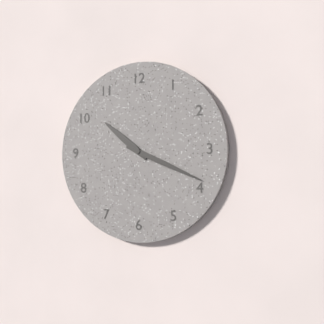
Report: 10:19
